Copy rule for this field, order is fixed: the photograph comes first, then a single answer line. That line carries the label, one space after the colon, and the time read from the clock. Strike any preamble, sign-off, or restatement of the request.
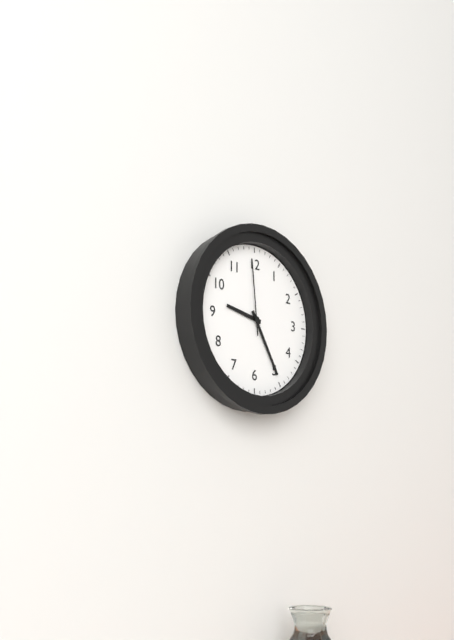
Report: 9:25:59
